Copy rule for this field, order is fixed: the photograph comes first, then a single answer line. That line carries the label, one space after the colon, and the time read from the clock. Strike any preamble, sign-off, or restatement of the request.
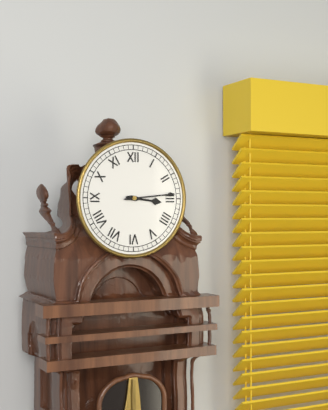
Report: 3:14
